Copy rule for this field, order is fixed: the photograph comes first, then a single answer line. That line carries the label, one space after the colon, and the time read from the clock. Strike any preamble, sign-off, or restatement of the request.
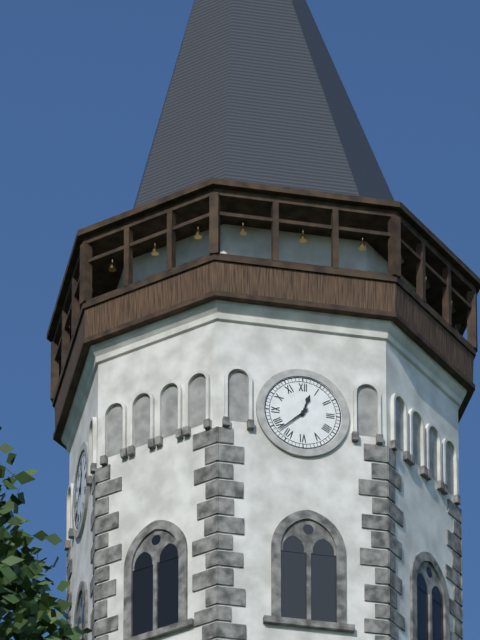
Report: 12:38
